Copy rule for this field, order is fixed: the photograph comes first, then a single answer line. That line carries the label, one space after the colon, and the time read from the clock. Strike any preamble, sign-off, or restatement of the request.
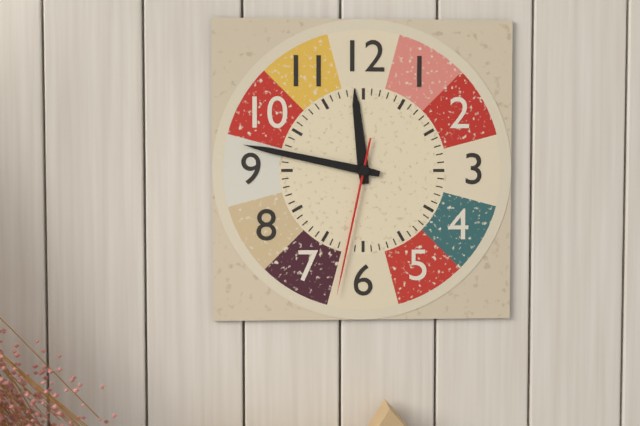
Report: 11:47:32
